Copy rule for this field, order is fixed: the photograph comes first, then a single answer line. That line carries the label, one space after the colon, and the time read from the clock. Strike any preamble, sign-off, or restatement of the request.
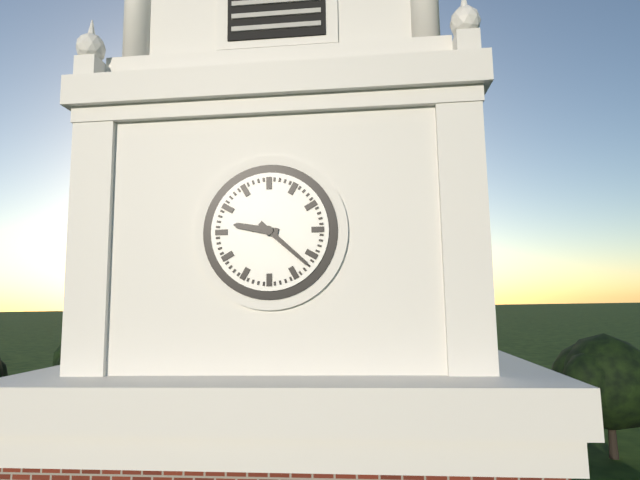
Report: 9:22
